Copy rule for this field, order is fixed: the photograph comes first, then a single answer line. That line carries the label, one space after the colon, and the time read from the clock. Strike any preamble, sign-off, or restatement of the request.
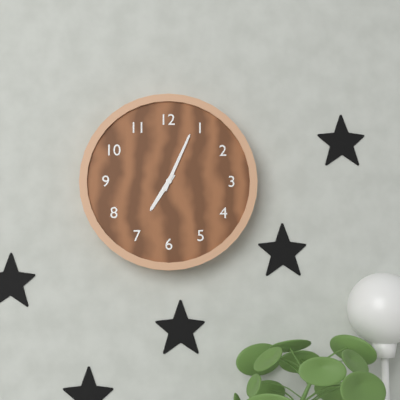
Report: 7:04
